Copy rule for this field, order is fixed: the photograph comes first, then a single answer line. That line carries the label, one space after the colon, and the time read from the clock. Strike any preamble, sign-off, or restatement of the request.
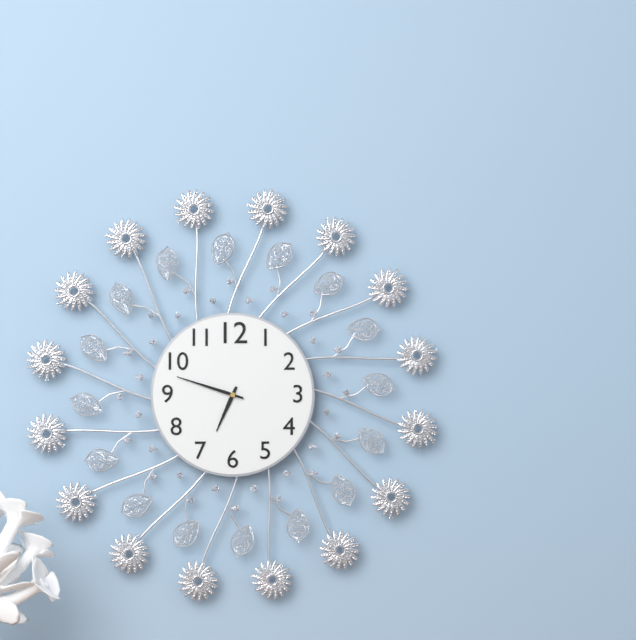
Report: 6:48
